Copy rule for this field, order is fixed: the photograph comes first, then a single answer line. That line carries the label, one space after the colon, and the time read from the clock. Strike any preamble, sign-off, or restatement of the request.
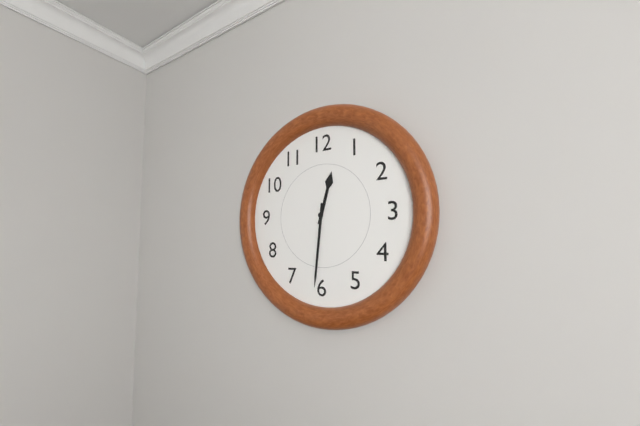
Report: 12:31
